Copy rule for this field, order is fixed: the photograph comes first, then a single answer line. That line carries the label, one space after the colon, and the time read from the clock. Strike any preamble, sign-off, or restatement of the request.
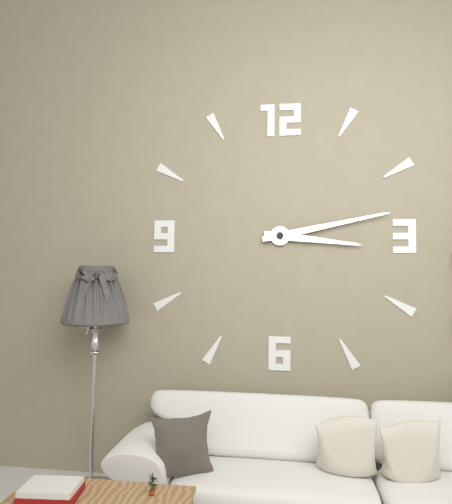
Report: 3:13
